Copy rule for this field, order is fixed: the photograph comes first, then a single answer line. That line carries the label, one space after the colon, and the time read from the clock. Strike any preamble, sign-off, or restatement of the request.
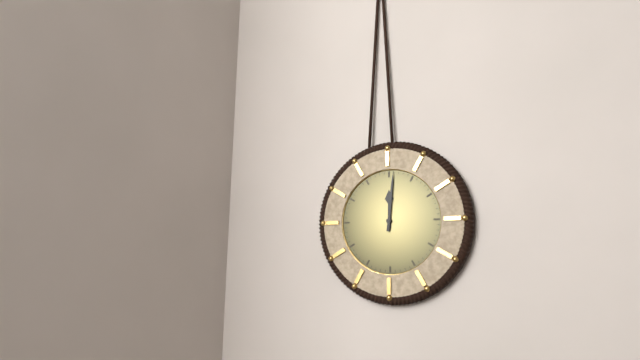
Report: 12:01
